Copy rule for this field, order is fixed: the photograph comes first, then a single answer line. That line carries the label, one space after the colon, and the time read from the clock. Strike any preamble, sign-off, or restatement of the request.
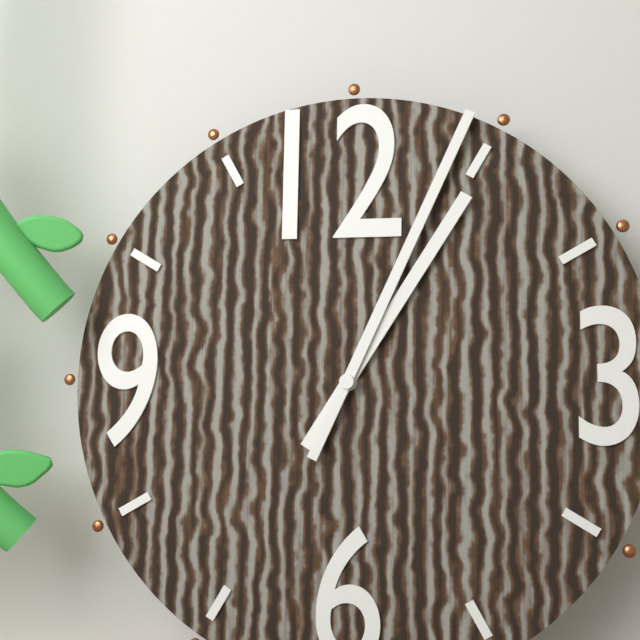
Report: 1:04
